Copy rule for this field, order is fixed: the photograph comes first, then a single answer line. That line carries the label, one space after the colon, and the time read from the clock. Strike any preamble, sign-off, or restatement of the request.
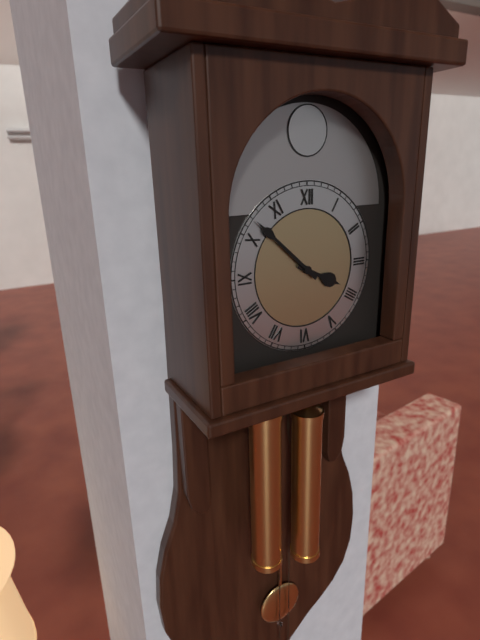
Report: 3:52
